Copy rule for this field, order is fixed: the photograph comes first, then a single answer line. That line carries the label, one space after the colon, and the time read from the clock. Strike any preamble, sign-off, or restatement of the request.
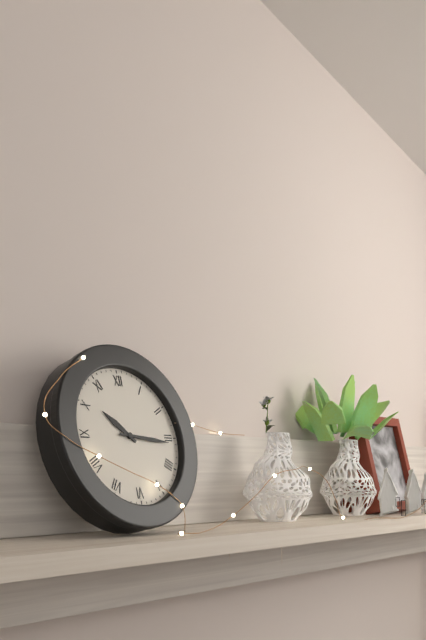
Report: 10:16
